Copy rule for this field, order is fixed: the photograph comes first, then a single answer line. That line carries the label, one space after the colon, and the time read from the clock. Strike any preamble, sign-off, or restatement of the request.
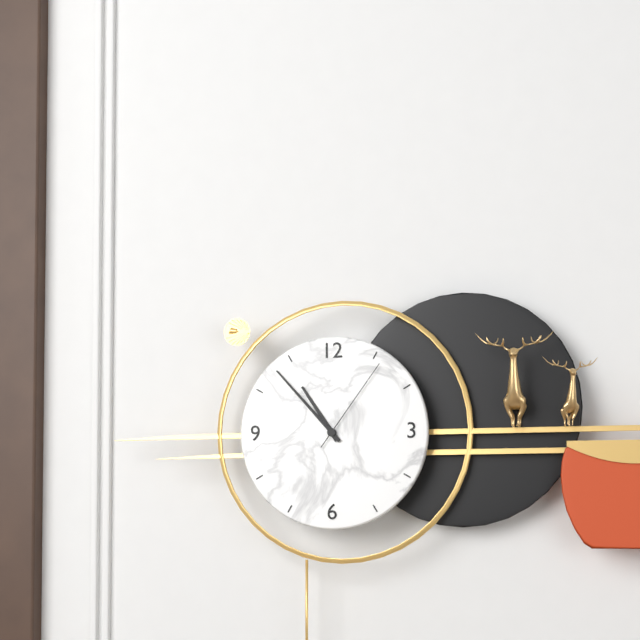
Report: 10:53:06
